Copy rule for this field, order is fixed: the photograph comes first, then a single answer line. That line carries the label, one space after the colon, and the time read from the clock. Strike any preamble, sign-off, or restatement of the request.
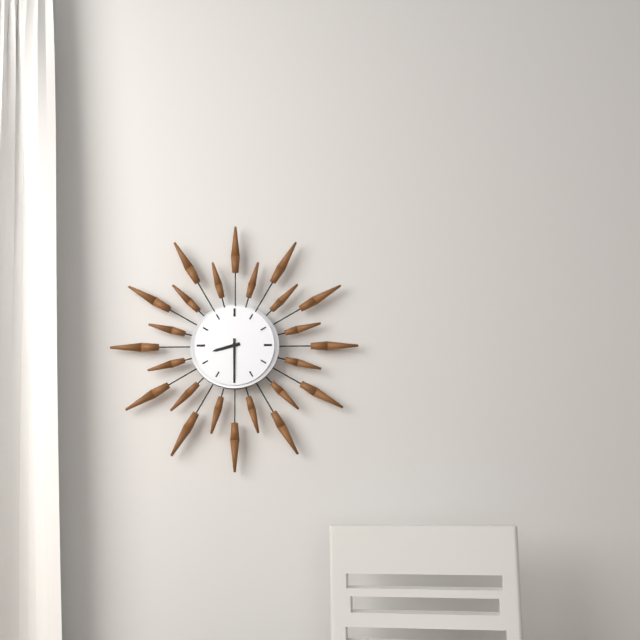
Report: 8:30
